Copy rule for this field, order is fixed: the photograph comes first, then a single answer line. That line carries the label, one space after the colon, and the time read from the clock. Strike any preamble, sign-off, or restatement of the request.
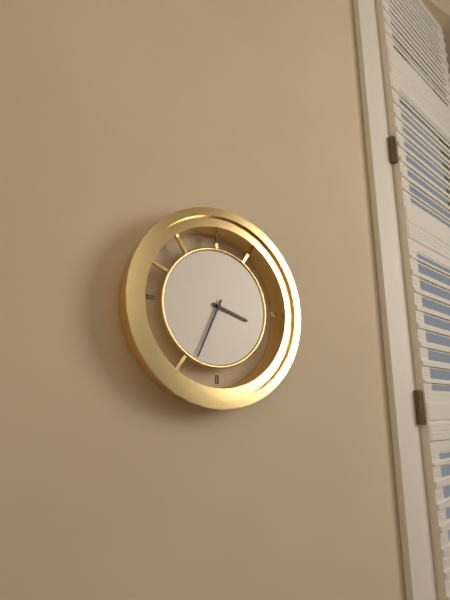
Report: 3:34
